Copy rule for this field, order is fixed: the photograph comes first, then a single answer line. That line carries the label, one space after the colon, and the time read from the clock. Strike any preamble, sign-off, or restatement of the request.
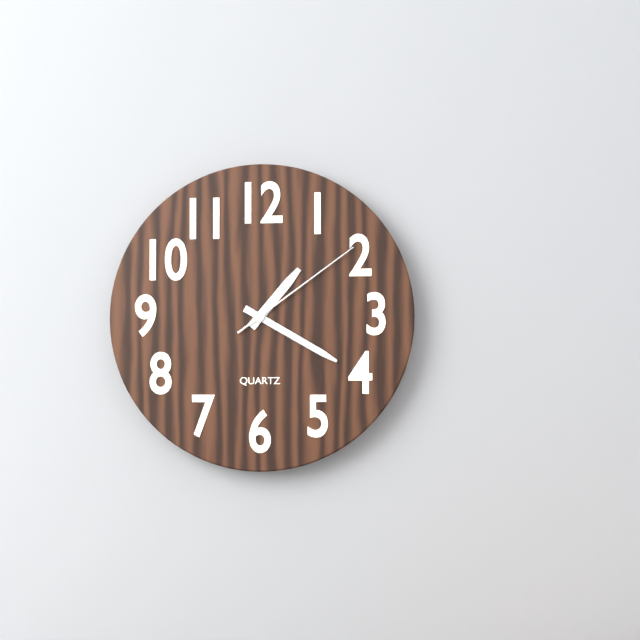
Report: 1:20:09
